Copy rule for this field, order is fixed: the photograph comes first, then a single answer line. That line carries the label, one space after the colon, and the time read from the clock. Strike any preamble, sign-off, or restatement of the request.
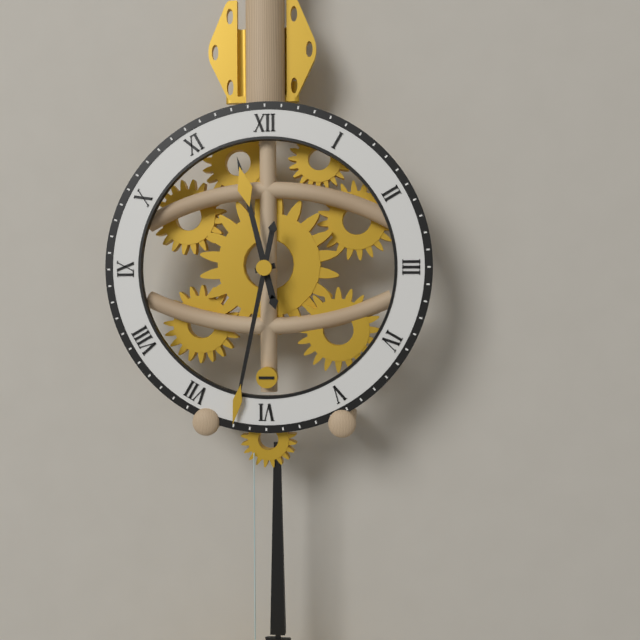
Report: 11:32
